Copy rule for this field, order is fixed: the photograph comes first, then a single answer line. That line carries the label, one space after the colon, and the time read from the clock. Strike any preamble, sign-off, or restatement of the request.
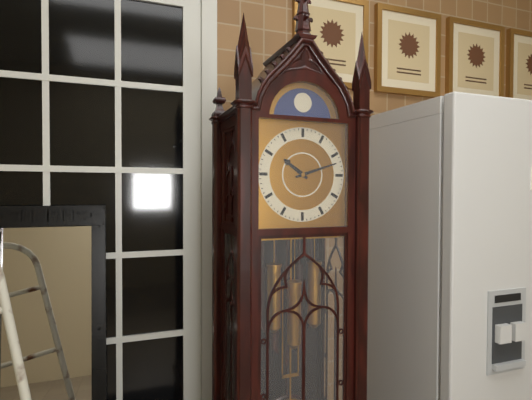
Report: 10:12
